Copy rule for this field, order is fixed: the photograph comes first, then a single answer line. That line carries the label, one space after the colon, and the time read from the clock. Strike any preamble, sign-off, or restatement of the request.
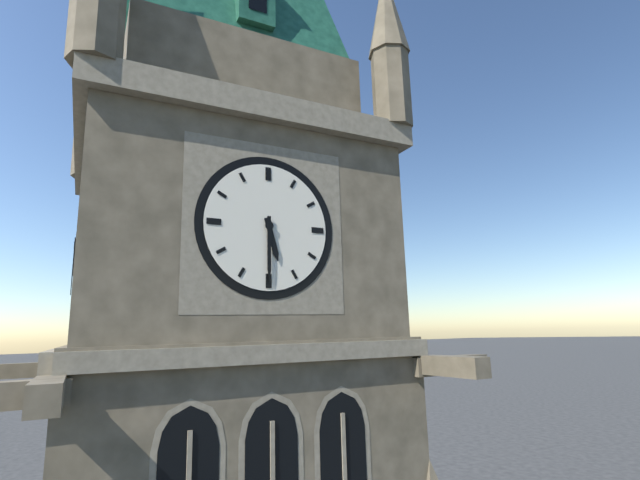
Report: 5:30
